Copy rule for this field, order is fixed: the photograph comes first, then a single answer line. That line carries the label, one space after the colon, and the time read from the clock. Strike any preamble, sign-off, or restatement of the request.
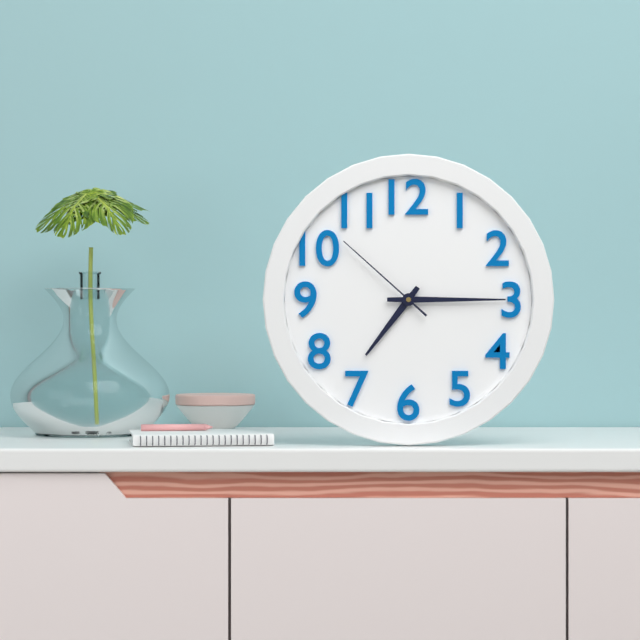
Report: 7:15:52
